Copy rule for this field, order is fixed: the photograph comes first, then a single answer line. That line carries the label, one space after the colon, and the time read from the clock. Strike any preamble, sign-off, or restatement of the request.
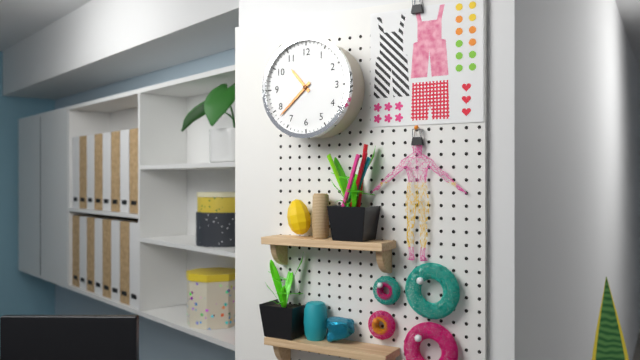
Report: 10:38
